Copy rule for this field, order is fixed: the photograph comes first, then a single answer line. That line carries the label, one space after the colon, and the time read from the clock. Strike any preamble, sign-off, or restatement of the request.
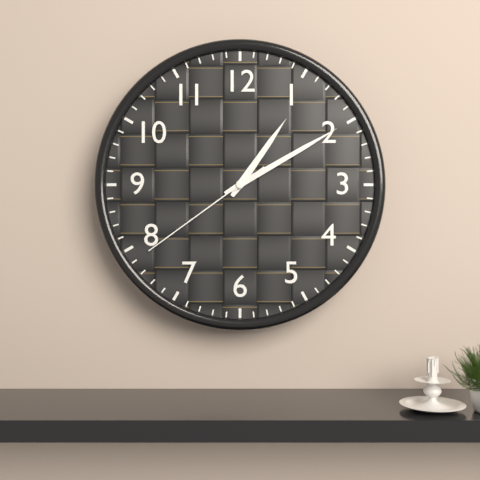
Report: 1:10:39
